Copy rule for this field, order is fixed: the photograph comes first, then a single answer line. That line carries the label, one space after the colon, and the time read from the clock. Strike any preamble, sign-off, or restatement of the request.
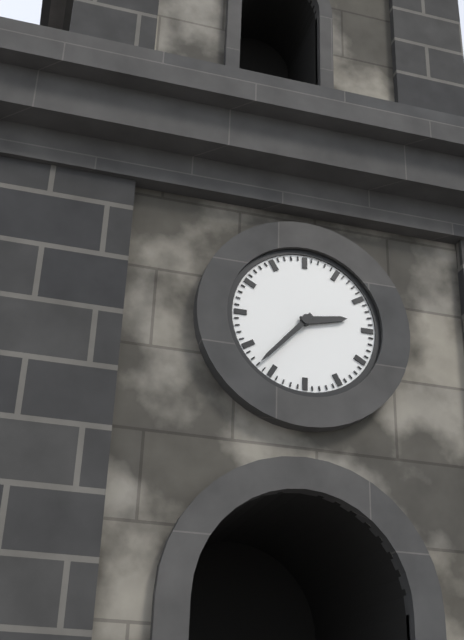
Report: 2:37
